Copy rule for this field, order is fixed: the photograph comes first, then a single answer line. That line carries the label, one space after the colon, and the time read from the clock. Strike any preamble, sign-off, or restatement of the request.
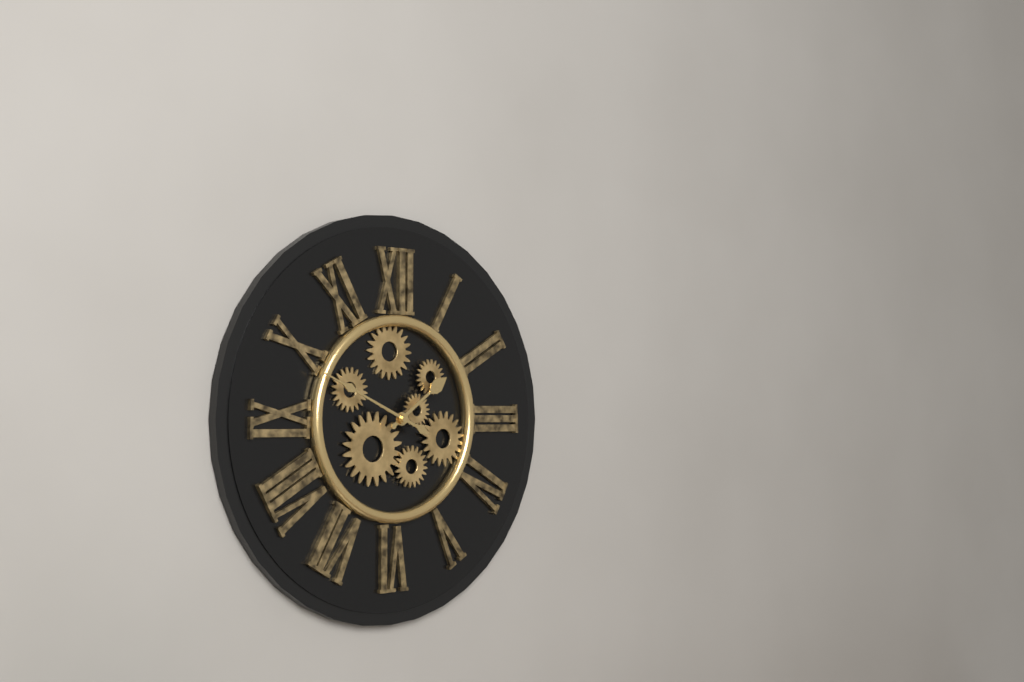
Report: 1:49
